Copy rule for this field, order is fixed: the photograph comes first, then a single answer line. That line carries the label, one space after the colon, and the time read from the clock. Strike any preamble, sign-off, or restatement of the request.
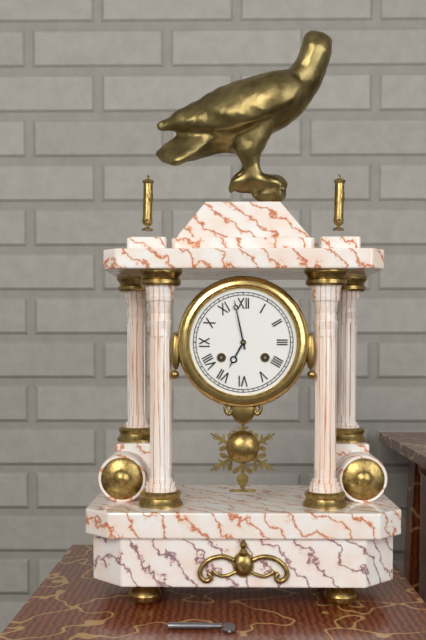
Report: 6:58
